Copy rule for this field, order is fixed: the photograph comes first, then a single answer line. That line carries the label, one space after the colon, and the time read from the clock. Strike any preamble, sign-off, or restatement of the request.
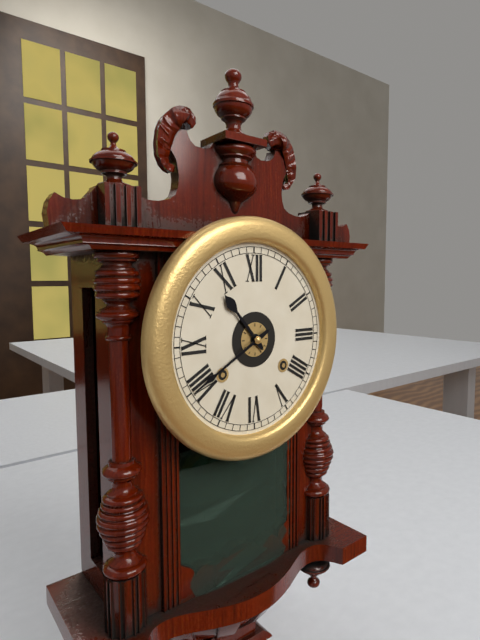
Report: 10:40
